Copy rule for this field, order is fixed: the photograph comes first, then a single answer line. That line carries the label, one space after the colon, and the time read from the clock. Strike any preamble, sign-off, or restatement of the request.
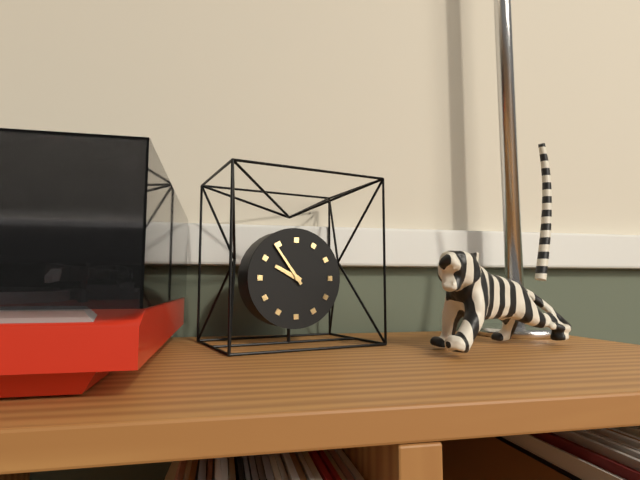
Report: 9:54
